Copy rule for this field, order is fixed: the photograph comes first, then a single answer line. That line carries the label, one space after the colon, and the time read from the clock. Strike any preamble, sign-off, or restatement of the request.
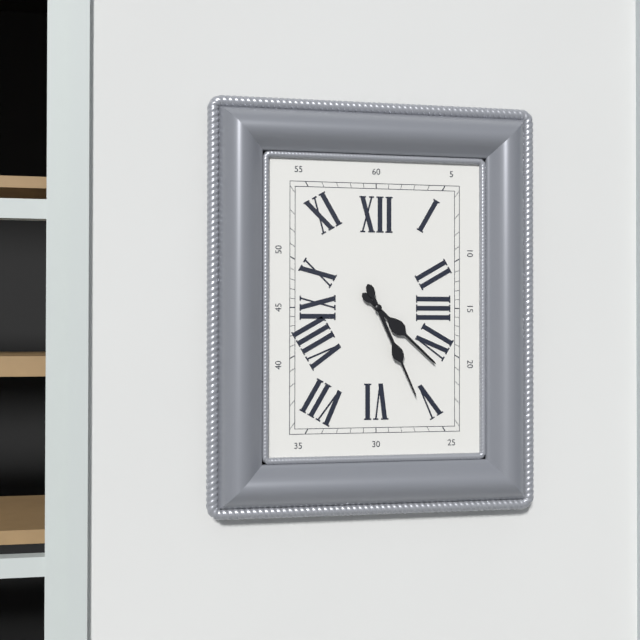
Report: 4:26
